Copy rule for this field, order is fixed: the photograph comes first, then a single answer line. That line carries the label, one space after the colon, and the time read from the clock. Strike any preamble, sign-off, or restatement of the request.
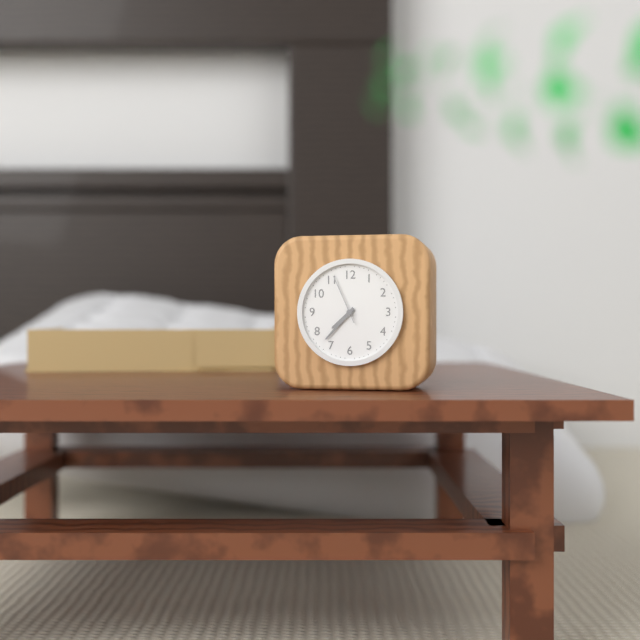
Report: 7:37
